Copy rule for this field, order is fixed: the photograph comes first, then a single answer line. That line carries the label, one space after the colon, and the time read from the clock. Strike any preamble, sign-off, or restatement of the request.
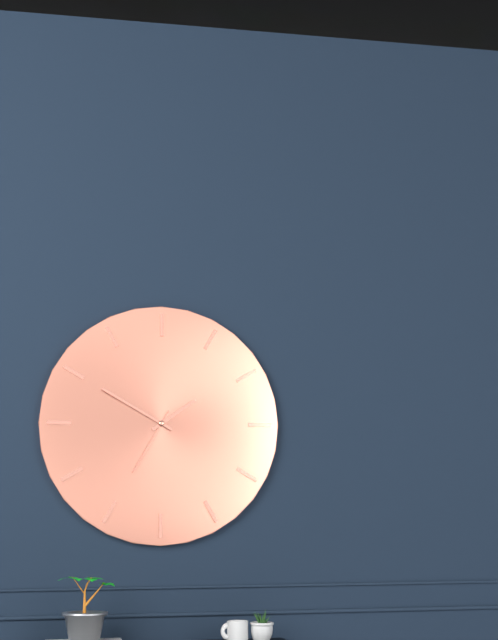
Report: 1:50:35
